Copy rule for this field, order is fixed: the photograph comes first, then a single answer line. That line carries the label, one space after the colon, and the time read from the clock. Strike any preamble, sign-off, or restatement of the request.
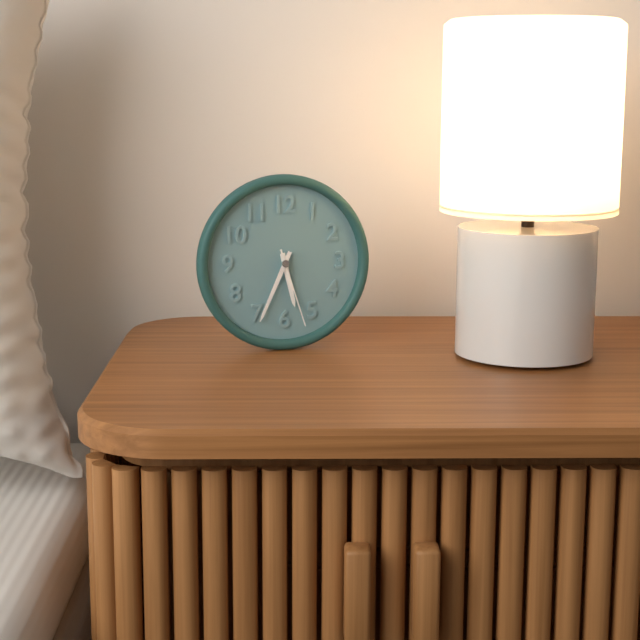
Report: 5:34:27
